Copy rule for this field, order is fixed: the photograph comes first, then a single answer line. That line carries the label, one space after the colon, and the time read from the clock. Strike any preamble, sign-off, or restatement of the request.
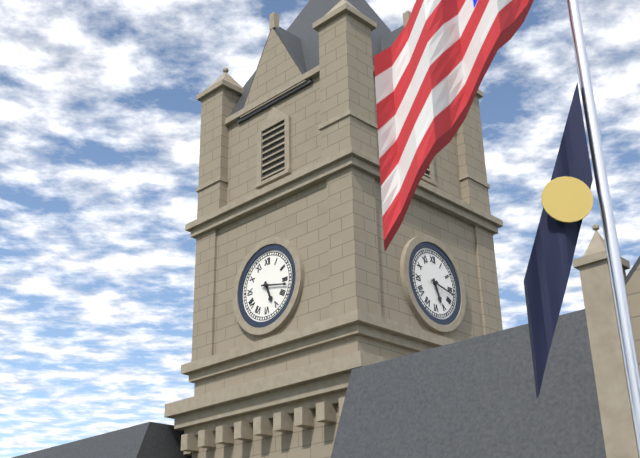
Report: 5:17
